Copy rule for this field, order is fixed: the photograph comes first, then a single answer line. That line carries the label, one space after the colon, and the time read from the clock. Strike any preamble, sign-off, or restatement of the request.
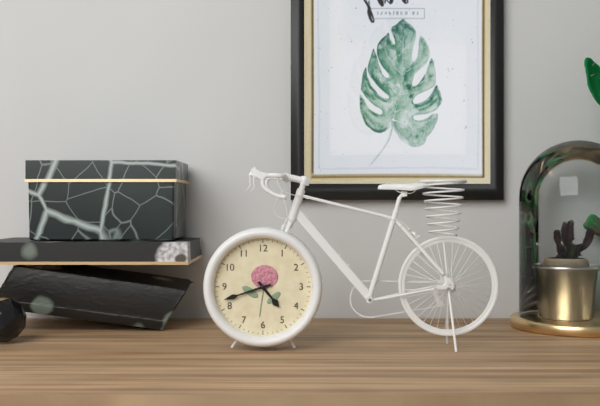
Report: 4:42
